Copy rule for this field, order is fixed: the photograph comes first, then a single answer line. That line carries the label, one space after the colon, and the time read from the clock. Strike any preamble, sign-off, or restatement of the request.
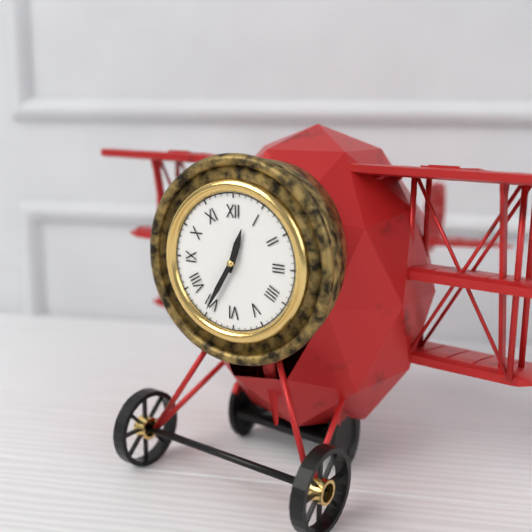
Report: 12:35
